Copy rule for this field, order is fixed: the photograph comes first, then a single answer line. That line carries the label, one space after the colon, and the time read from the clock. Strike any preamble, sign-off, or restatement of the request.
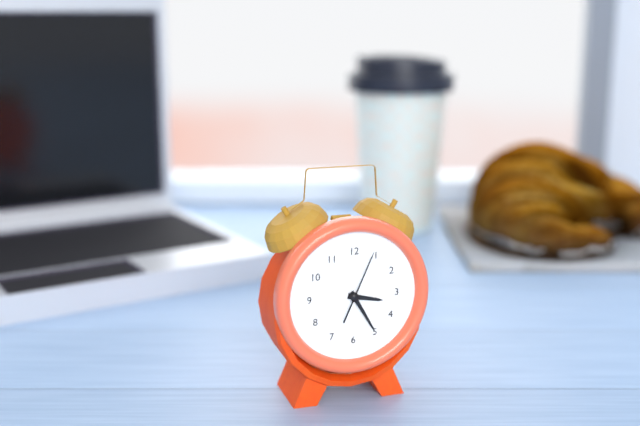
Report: 3:25:04
